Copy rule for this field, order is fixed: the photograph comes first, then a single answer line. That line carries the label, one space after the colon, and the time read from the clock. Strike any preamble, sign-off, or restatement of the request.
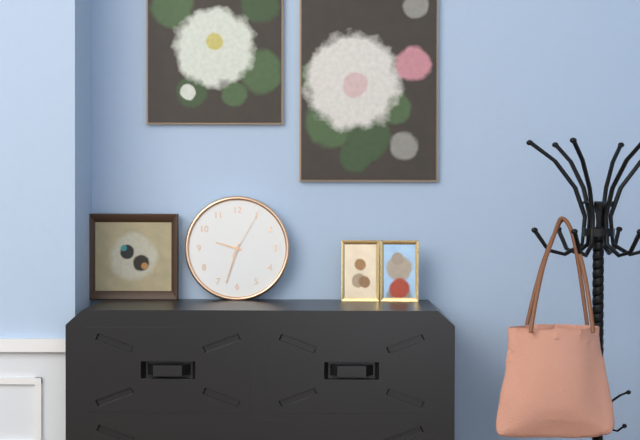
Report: 9:33
